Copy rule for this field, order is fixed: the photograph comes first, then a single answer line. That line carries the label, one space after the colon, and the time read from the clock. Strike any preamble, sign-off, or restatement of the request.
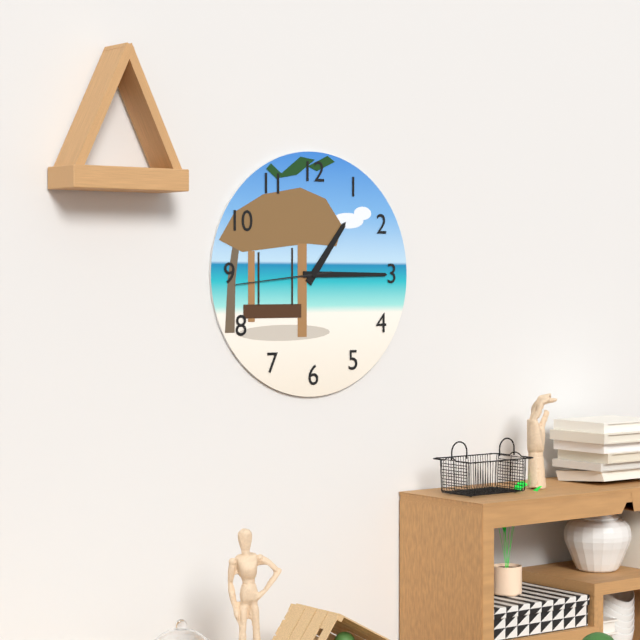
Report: 1:15:44
